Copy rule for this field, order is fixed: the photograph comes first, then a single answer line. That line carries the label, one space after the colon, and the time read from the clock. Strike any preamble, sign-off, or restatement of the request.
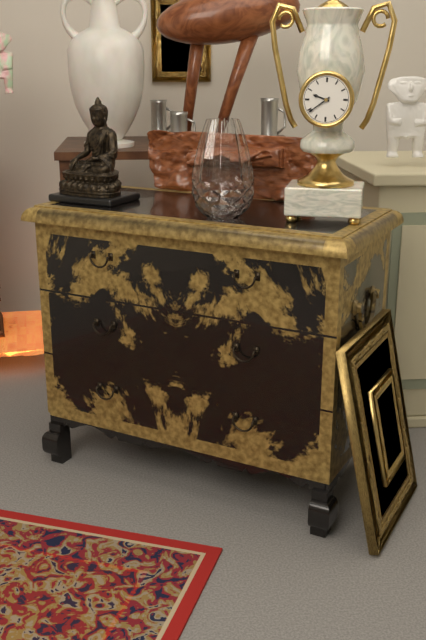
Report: 9:39
